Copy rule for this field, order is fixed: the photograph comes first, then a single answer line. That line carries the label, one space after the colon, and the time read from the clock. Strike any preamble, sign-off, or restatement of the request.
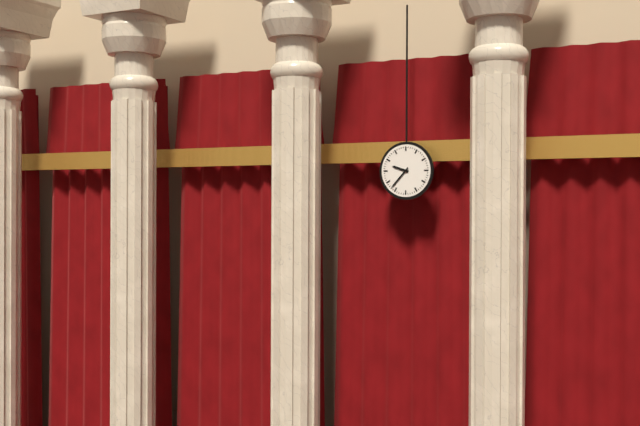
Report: 9:37
